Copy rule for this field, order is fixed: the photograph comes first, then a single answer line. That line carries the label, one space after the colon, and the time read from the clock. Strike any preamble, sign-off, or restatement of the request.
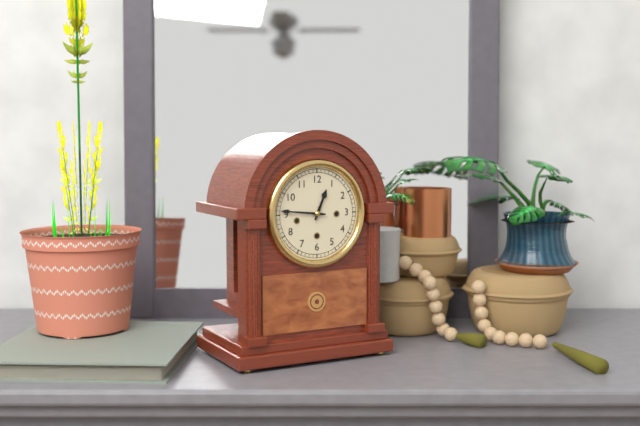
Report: 12:46
